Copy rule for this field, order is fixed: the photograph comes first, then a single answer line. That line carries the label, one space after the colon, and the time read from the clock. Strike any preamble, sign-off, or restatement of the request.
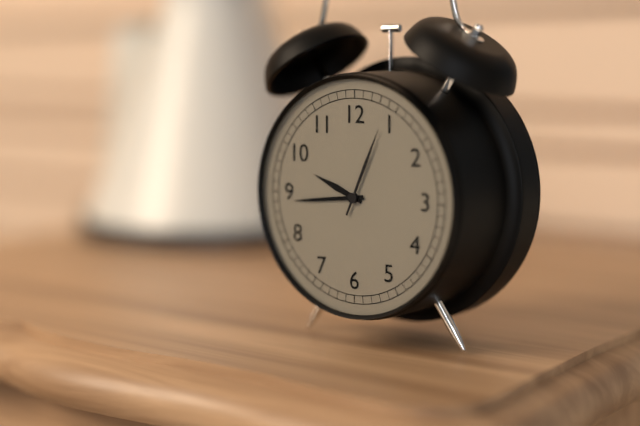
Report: 9:44:04
